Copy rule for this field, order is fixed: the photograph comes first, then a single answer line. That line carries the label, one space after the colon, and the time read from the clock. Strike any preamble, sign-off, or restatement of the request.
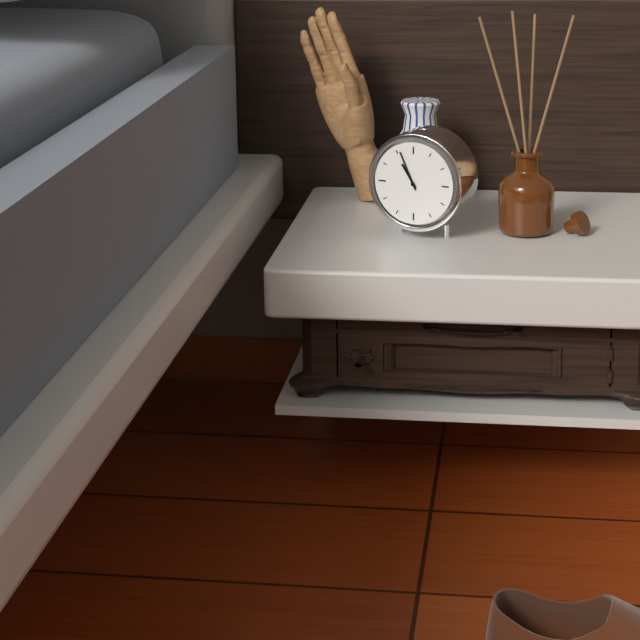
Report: 10:56
